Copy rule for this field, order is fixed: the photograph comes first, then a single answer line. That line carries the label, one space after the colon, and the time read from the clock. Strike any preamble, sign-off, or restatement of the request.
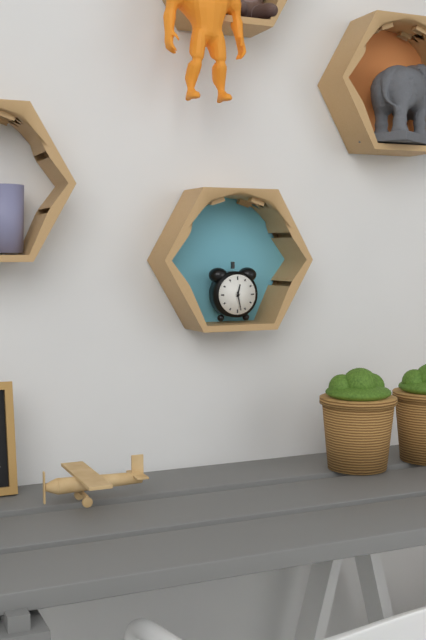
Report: 12:28
